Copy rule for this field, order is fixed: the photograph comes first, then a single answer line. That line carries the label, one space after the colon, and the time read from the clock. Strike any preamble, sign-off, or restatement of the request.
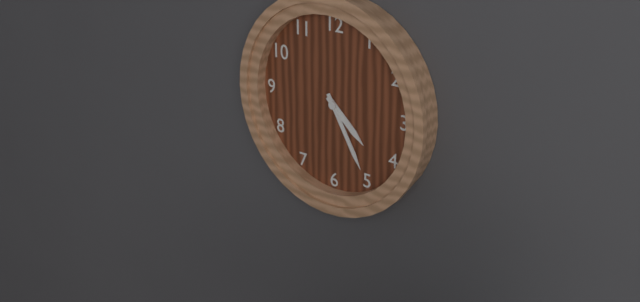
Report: 4:25
